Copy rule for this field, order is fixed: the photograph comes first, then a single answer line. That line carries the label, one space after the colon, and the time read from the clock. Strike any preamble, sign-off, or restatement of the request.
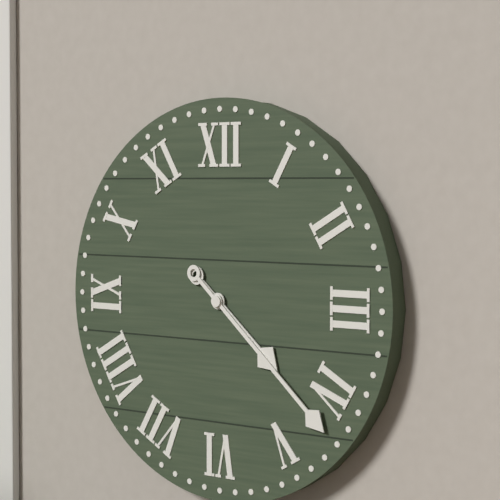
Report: 4:22
